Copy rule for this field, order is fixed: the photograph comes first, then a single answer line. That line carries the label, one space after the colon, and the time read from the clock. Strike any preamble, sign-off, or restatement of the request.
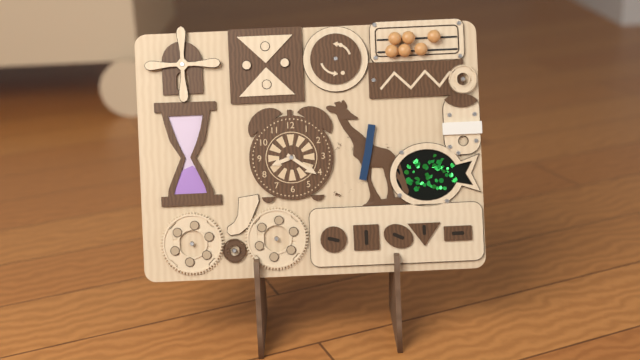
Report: 8:21
